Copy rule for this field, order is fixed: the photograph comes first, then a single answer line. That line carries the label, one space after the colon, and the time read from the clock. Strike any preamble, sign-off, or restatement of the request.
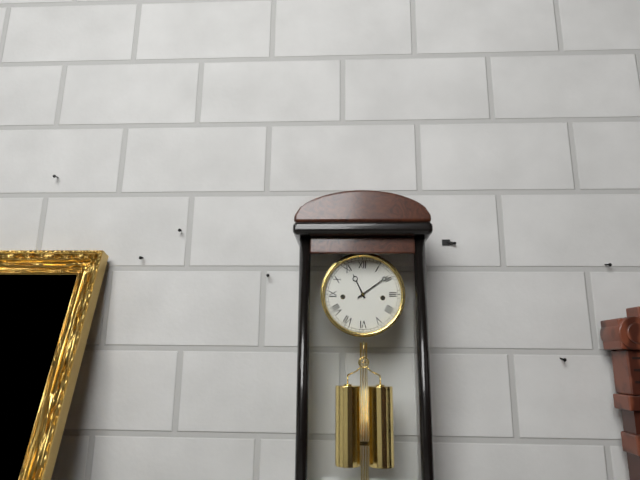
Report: 11:09
